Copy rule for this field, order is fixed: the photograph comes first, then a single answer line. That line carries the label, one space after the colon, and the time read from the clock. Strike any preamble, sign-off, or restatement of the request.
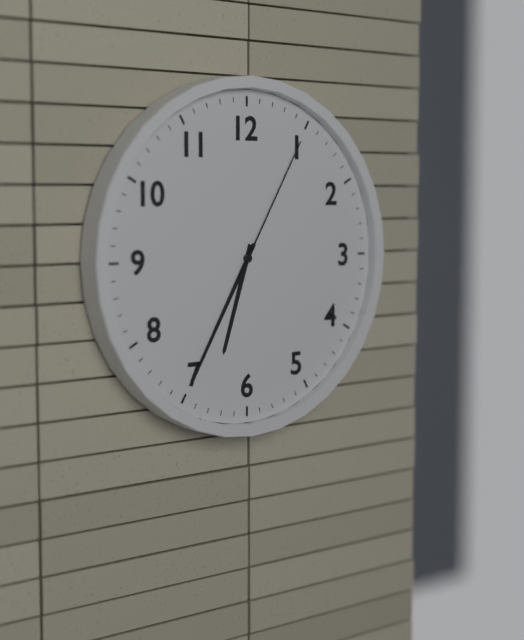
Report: 6:35:05
